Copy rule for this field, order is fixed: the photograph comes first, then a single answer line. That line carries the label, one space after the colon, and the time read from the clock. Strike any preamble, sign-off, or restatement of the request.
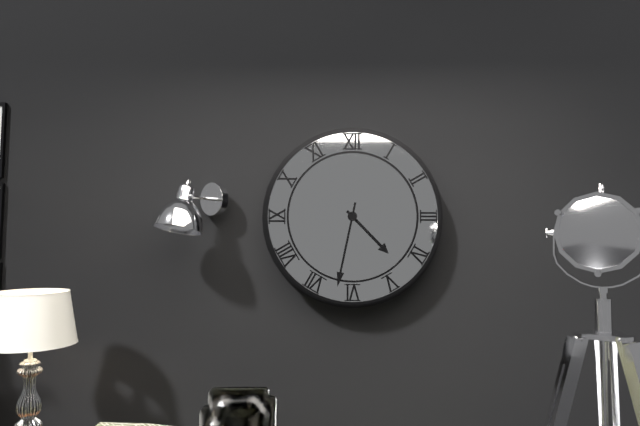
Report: 4:32
